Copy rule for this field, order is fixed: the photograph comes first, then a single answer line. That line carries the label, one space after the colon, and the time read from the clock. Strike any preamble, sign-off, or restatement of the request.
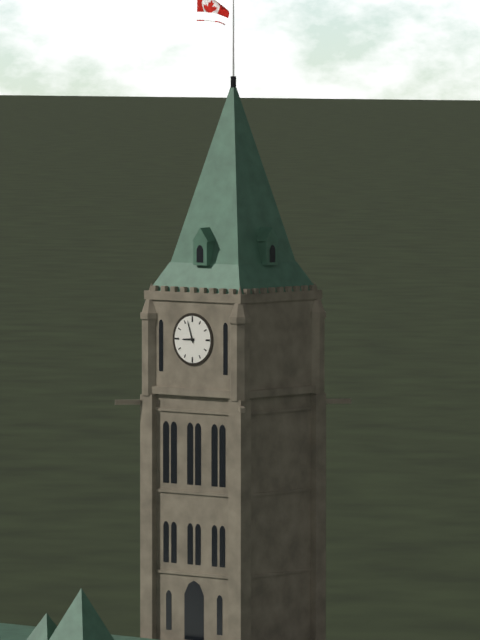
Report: 8:57
